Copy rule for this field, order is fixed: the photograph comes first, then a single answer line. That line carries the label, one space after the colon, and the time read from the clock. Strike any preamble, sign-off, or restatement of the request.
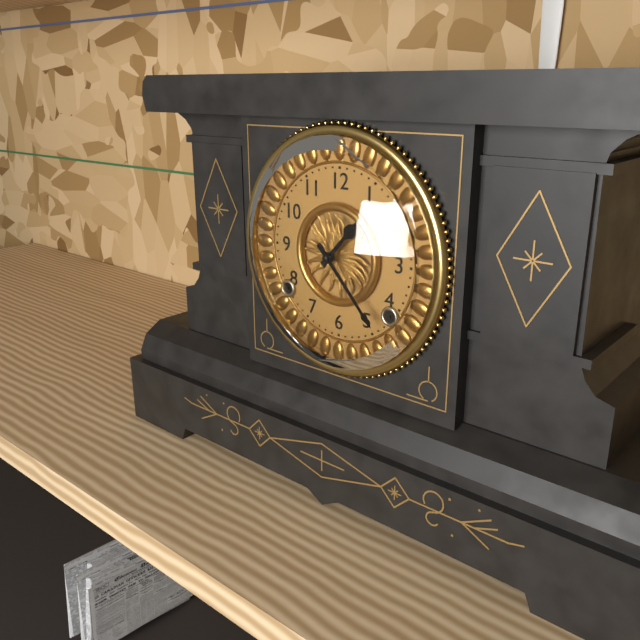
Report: 1:23
